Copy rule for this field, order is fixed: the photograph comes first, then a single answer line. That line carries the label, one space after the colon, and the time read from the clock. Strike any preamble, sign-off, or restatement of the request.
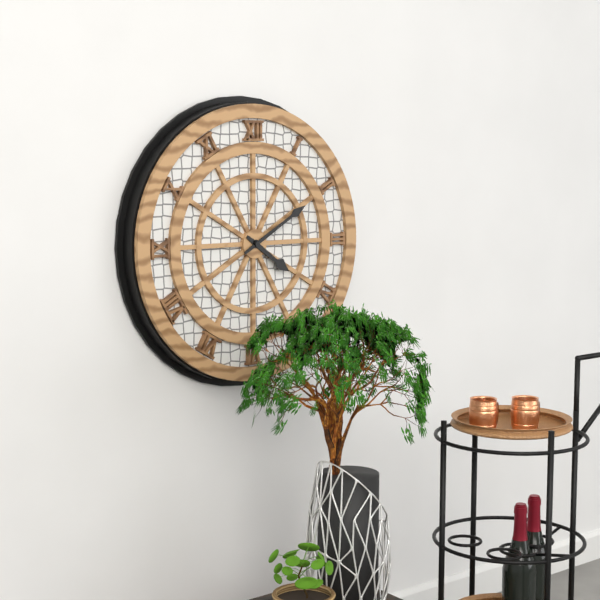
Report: 4:10
